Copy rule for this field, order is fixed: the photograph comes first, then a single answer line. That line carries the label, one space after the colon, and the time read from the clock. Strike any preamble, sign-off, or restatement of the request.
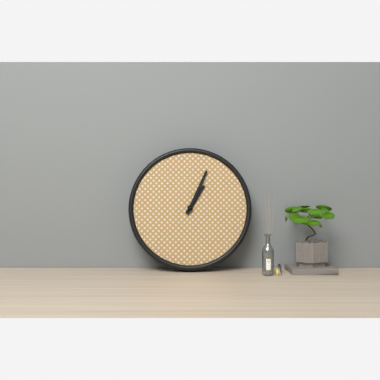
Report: 1:04
